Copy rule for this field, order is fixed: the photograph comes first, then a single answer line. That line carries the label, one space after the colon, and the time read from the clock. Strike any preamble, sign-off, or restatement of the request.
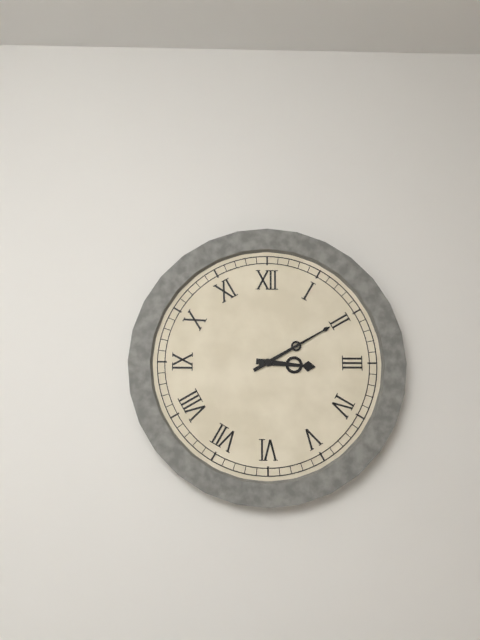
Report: 3:10
